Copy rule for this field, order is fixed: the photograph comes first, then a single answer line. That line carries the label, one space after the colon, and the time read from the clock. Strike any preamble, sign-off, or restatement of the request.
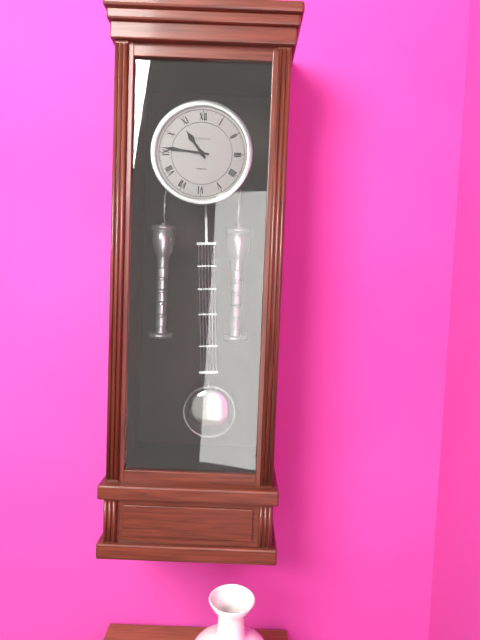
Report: 10:46
